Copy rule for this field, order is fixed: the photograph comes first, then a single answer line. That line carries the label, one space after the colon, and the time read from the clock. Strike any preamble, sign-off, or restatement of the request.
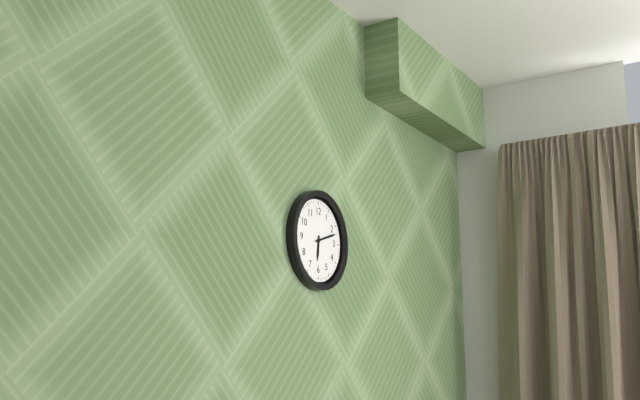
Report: 6:12
